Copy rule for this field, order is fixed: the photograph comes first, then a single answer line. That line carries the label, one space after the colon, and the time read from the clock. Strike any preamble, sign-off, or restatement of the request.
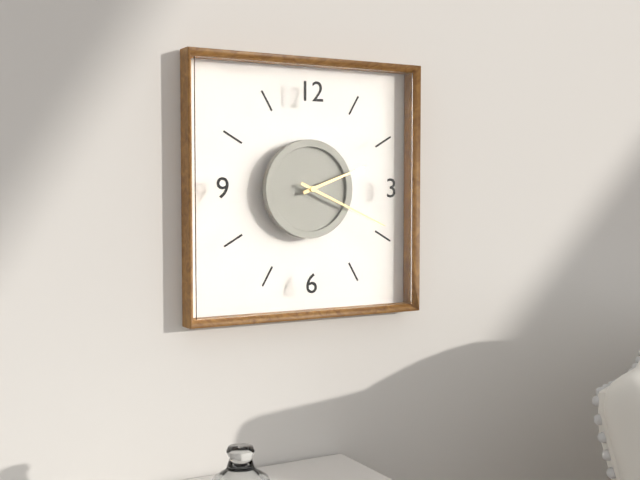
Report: 2:19
